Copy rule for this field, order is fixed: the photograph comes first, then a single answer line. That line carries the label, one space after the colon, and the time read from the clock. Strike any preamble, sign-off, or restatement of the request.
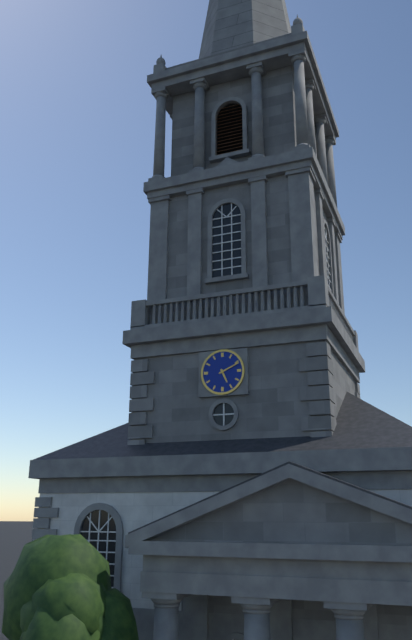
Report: 5:11
